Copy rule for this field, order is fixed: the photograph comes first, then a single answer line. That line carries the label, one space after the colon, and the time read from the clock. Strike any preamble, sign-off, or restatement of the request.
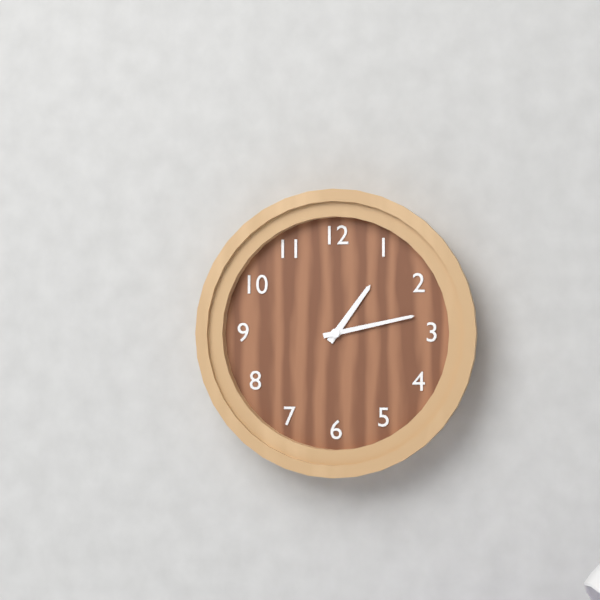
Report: 1:13
